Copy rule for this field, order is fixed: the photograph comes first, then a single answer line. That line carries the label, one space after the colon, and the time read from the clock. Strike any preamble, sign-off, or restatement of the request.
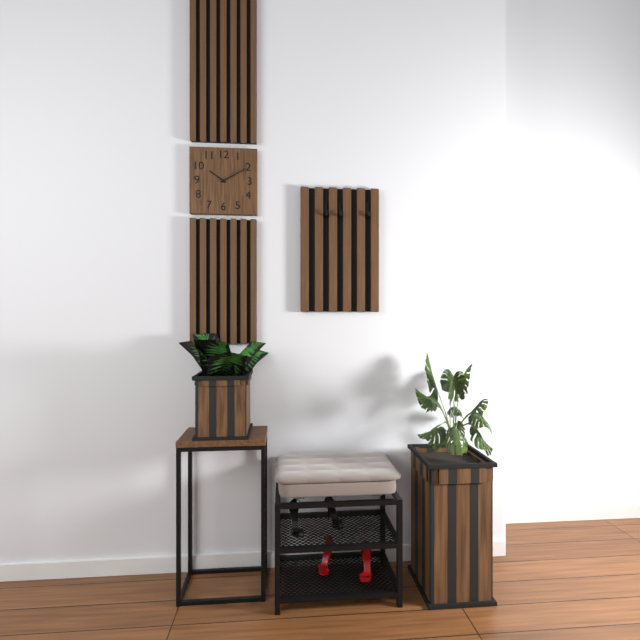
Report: 10:10
